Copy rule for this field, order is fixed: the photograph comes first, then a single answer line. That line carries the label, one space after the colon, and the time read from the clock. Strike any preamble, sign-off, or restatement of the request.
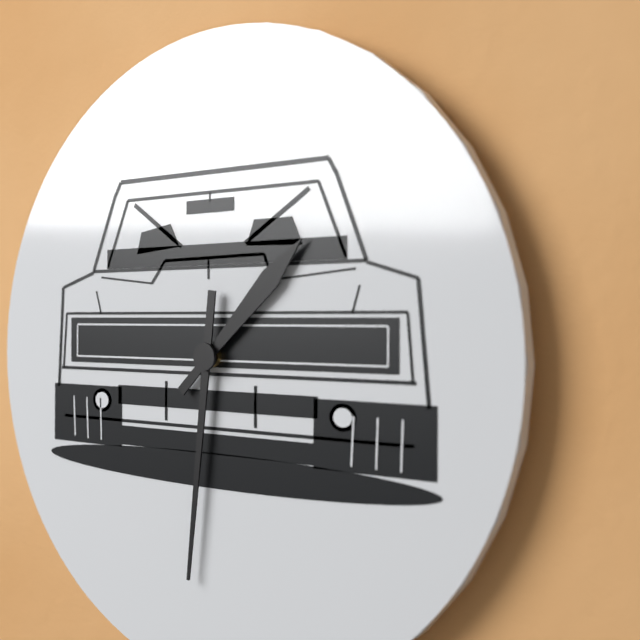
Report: 1:31
